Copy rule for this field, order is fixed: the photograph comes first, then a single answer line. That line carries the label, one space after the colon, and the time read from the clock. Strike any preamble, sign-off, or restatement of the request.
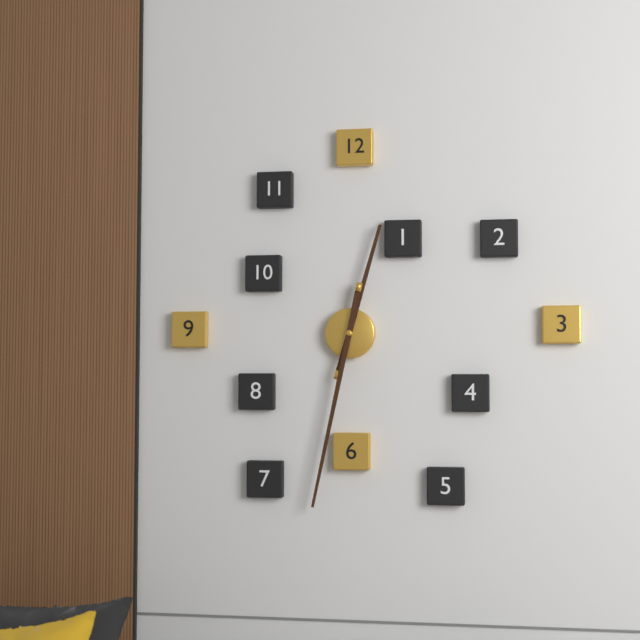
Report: 12:32
